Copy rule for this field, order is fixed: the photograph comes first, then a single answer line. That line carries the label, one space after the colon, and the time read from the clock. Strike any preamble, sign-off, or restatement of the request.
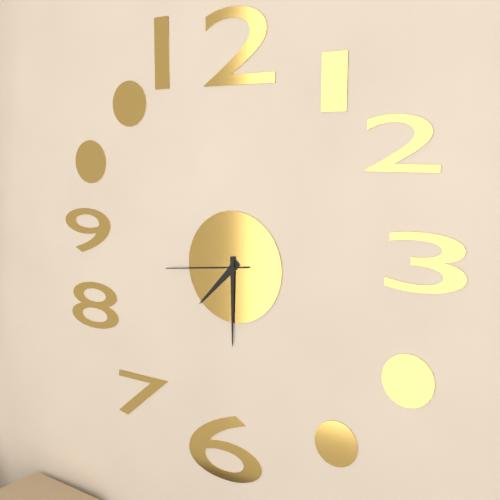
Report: 7:30:44
